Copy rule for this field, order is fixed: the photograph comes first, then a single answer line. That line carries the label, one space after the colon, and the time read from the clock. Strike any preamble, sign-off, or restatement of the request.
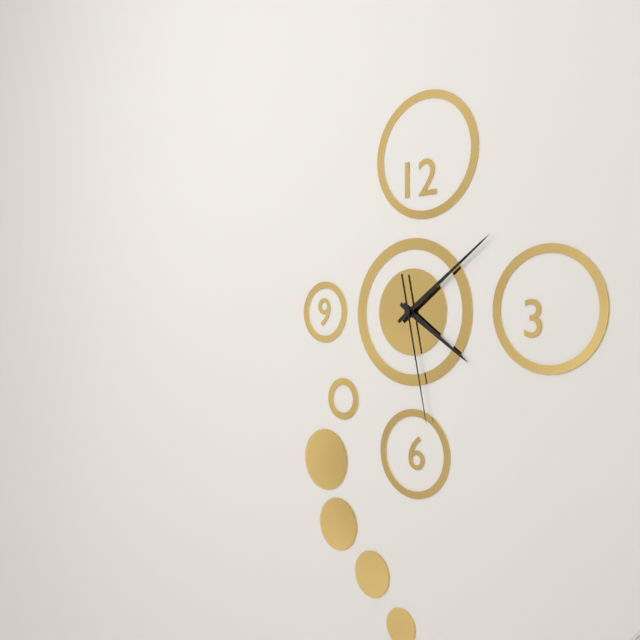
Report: 4:09:28
